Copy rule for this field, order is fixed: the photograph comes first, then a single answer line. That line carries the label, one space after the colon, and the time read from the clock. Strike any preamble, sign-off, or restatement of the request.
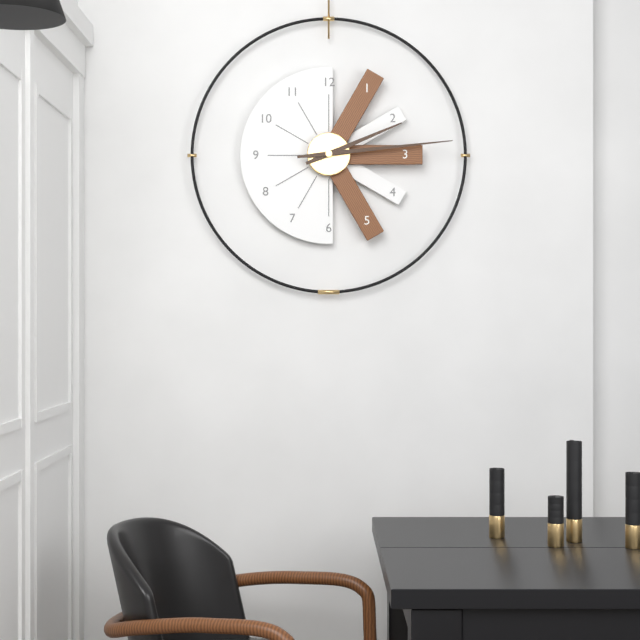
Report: 2:14
